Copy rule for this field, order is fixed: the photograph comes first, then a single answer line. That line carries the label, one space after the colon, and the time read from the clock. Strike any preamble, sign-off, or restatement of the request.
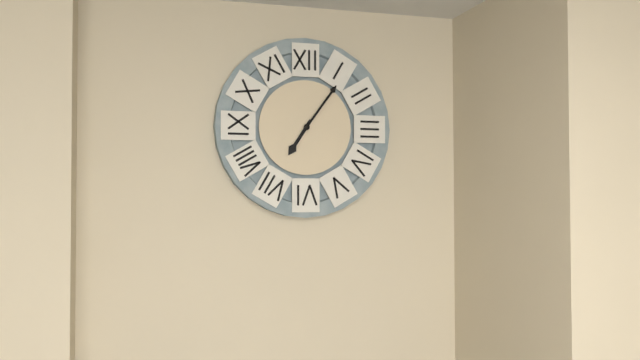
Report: 7:06
